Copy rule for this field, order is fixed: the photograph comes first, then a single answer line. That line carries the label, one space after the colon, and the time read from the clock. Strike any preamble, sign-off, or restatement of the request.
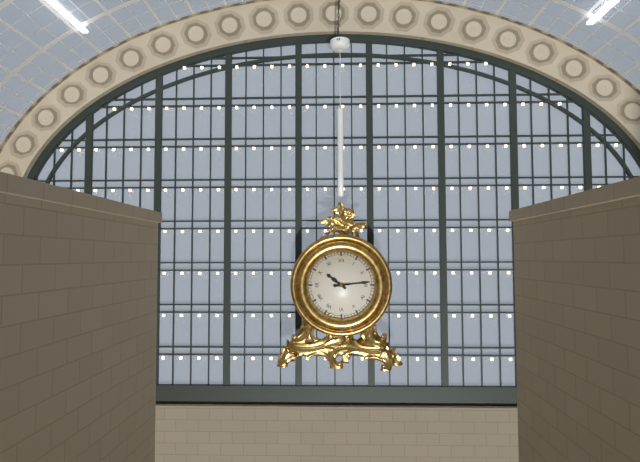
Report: 10:14
